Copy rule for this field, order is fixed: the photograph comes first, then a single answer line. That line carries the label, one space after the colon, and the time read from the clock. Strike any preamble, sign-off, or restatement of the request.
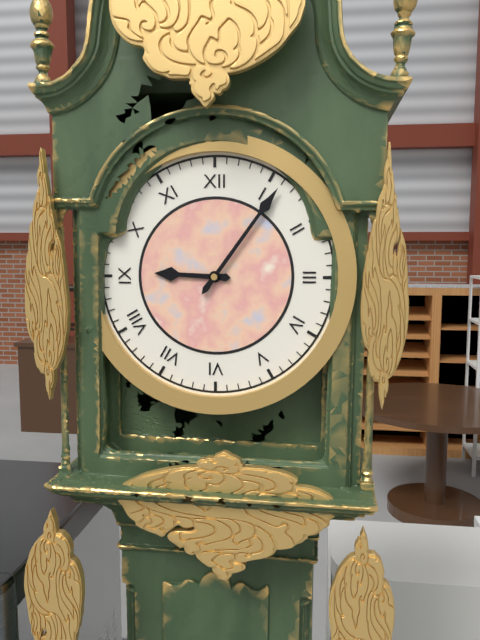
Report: 9:06
